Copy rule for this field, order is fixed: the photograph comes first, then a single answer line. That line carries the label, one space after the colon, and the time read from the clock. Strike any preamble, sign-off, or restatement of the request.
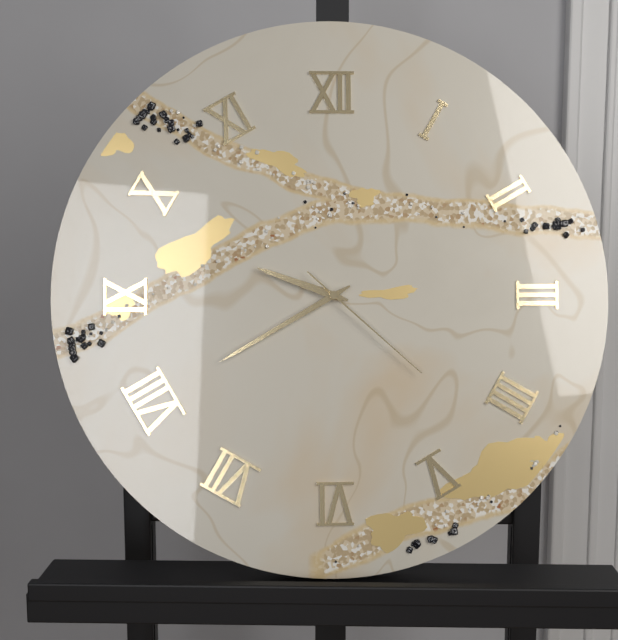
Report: 9:40:22
